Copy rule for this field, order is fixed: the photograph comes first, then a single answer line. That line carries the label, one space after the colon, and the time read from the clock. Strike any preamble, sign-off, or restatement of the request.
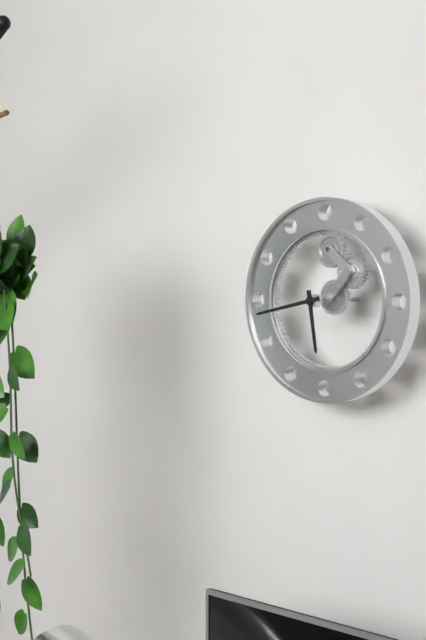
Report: 5:43
